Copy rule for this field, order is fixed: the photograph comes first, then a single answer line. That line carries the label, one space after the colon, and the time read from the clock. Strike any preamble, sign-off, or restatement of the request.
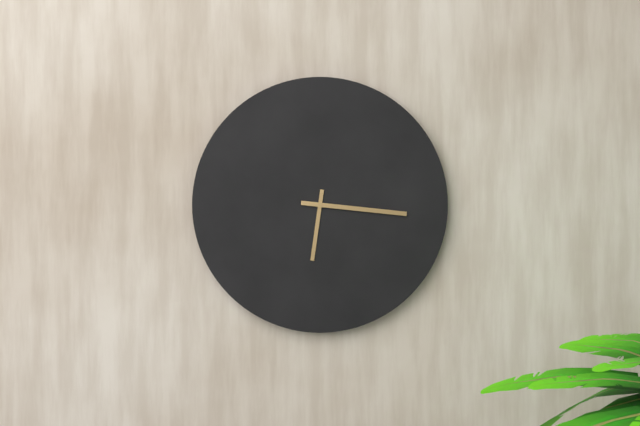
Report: 6:16
